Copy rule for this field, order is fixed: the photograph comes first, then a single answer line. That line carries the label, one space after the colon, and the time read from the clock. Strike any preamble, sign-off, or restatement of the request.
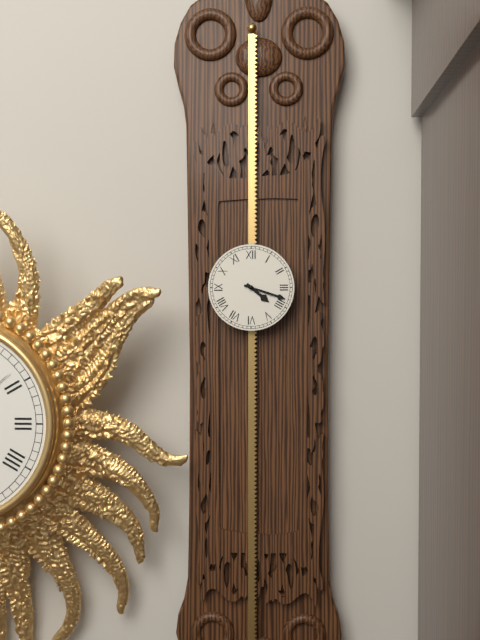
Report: 4:18
